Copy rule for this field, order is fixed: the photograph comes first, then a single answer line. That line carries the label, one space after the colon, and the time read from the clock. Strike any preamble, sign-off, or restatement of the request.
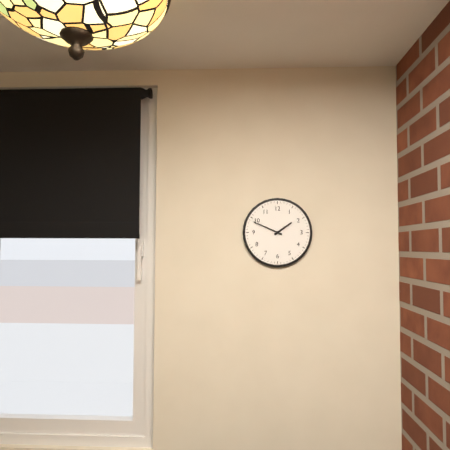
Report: 1:49
